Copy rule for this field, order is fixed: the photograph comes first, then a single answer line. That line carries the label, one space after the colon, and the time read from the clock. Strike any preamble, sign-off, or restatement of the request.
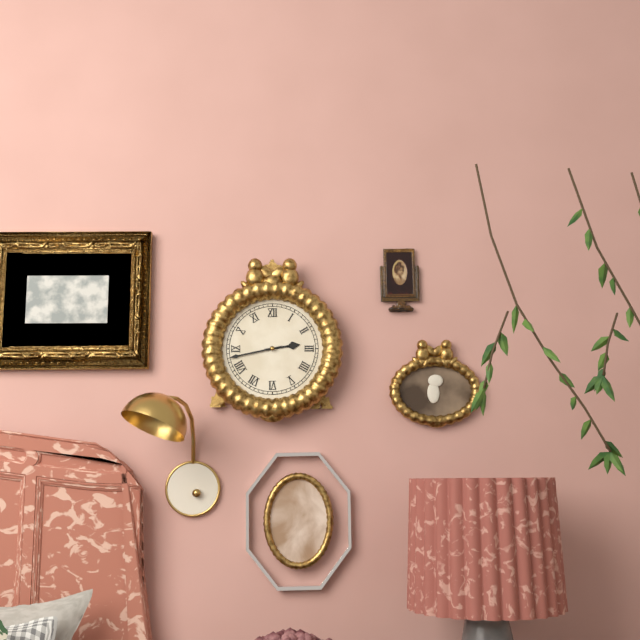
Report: 2:43
